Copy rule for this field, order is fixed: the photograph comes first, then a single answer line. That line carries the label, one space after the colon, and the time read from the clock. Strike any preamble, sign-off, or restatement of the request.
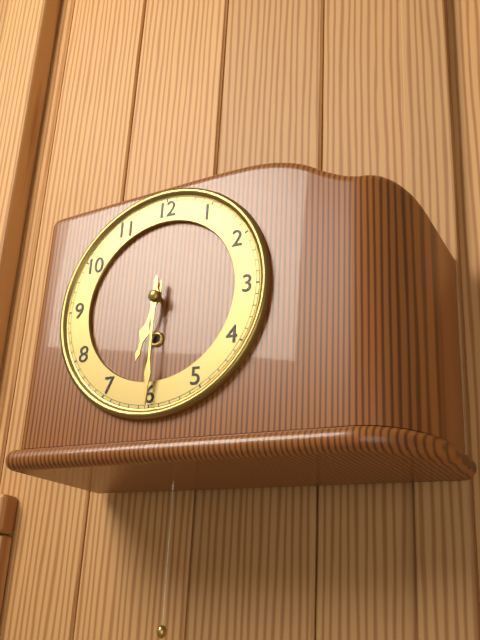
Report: 6:30
